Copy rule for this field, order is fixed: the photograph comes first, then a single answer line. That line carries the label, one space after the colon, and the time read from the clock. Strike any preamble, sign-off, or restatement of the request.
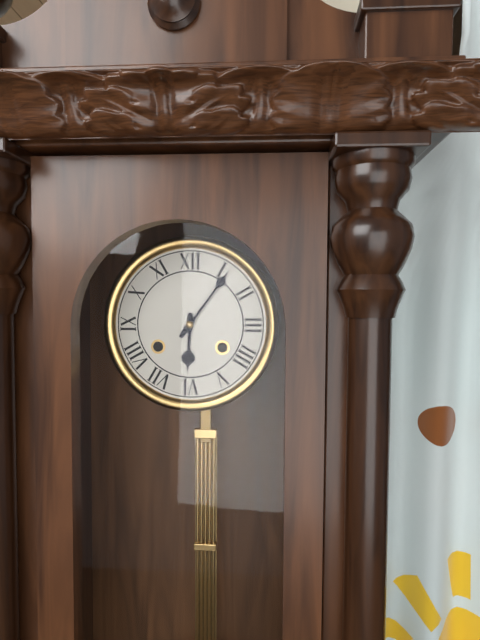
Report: 6:06
